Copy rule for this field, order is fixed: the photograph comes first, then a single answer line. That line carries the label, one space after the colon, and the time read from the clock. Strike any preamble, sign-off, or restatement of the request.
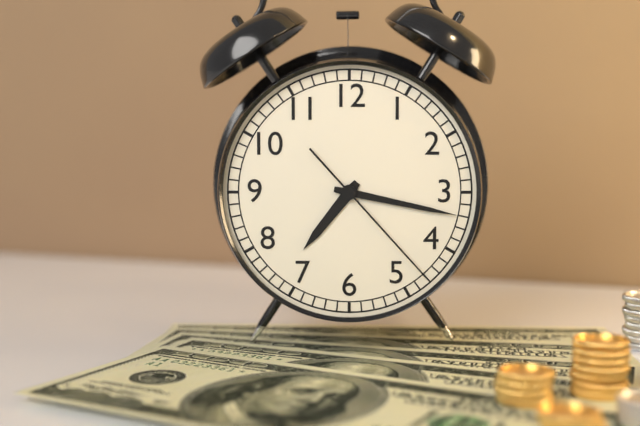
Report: 7:17:23
